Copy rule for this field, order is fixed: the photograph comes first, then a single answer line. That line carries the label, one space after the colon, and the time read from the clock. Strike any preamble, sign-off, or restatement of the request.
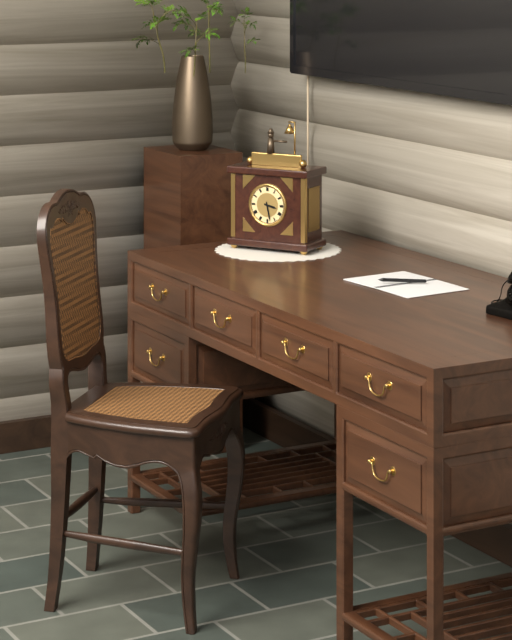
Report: 3:28
